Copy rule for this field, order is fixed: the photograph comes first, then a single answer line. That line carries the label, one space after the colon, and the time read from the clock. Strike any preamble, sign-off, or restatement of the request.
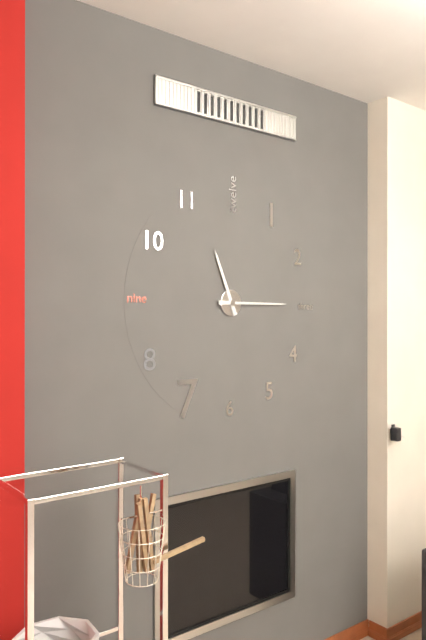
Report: 11:15
